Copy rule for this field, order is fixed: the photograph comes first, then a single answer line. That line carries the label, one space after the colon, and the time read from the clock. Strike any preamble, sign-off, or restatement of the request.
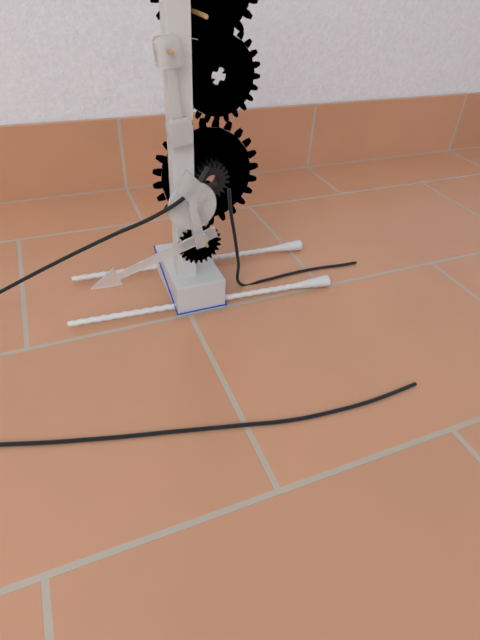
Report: 11:42
